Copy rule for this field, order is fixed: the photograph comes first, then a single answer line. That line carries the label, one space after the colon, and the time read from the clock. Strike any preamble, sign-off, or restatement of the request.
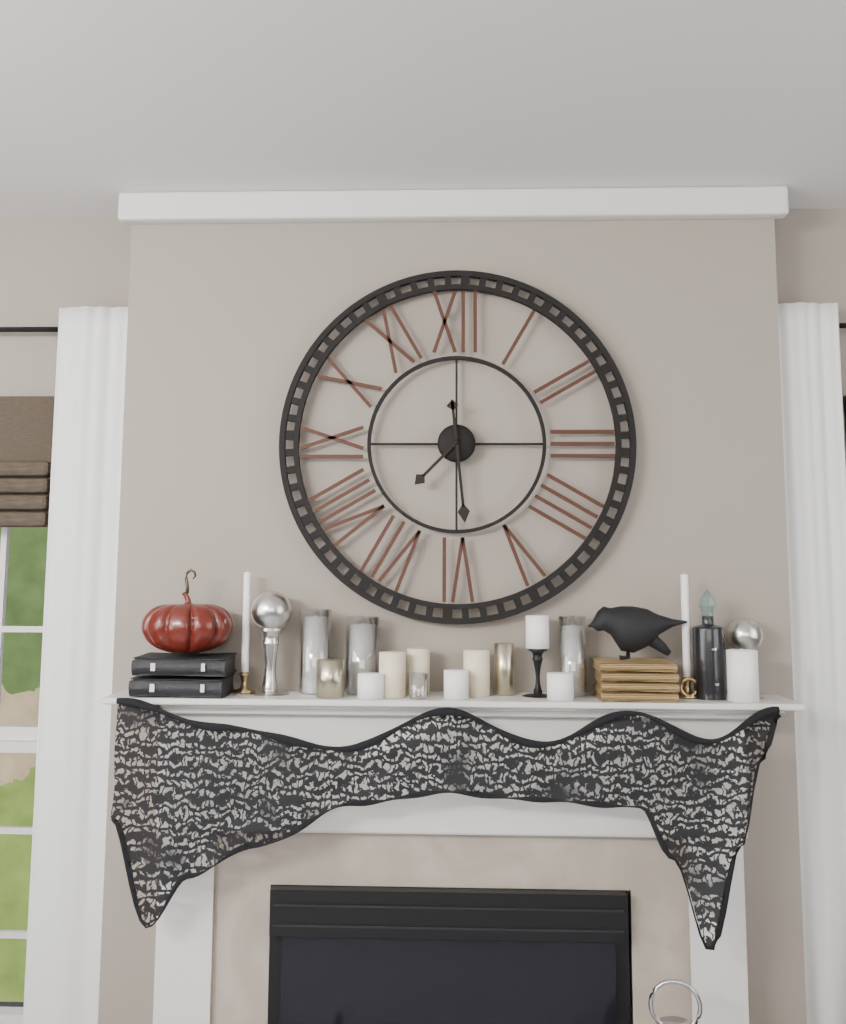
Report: 7:29
